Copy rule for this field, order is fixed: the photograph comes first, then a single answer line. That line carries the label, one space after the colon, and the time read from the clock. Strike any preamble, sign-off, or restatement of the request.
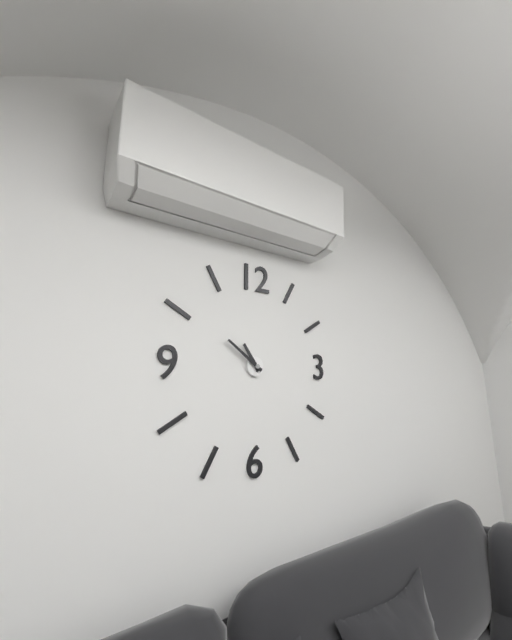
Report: 10:51
